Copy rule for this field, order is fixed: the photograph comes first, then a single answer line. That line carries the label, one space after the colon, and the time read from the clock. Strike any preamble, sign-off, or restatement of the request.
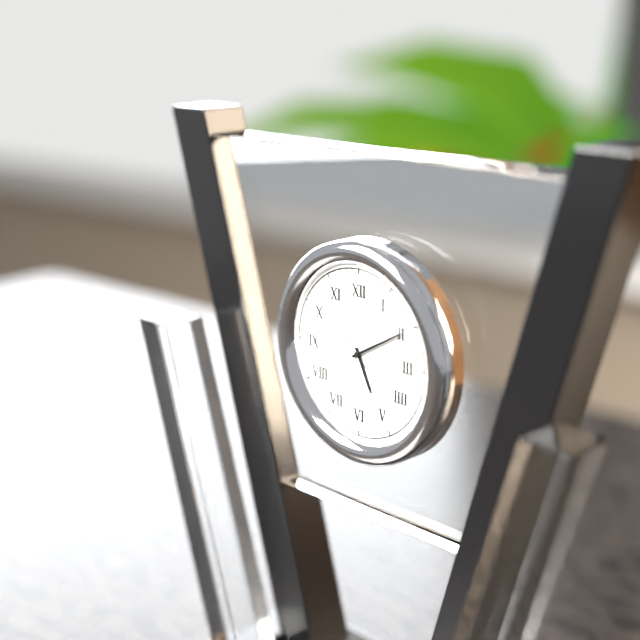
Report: 5:10:52
